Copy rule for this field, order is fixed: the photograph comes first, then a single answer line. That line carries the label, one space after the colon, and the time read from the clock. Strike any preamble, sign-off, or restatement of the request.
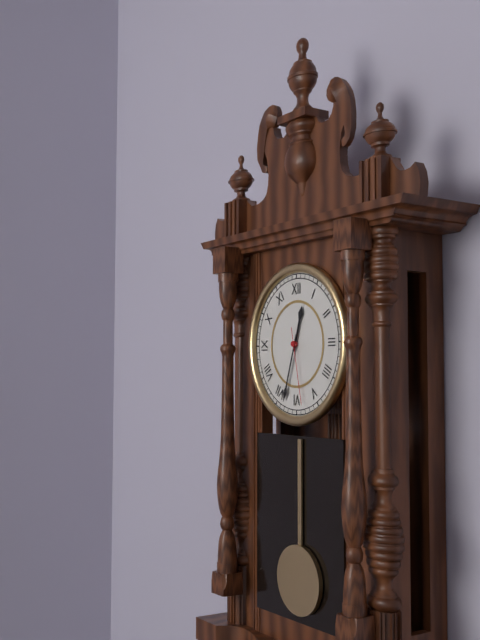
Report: 12:33:28
